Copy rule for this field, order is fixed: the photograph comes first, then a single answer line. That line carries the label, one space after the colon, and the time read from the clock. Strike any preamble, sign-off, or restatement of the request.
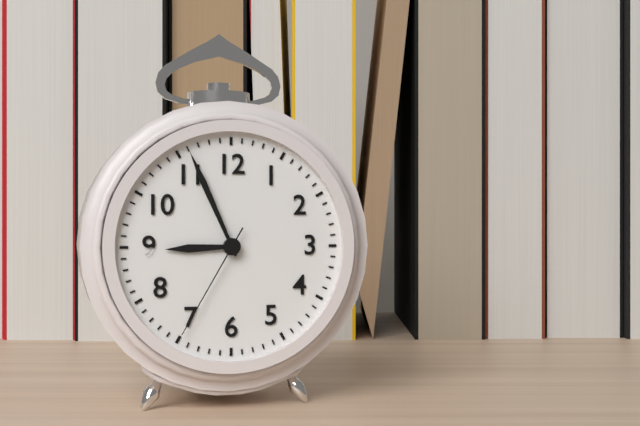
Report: 8:56:35
